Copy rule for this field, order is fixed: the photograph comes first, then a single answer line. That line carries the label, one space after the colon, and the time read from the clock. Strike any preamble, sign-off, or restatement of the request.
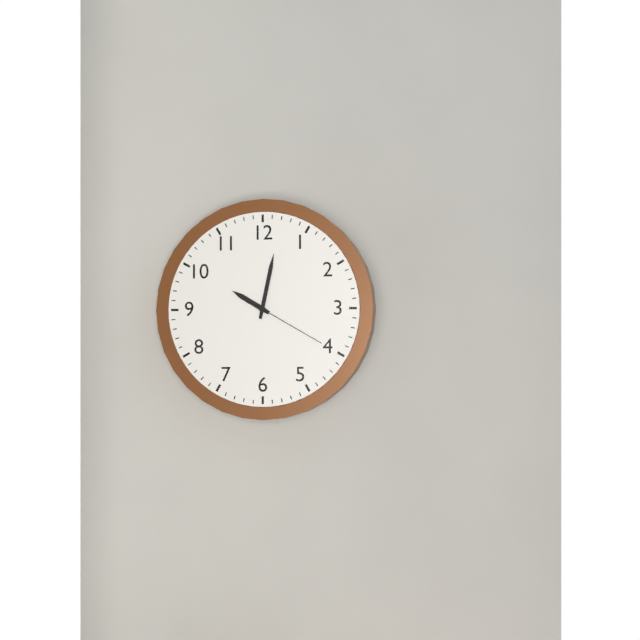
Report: 10:02:20
